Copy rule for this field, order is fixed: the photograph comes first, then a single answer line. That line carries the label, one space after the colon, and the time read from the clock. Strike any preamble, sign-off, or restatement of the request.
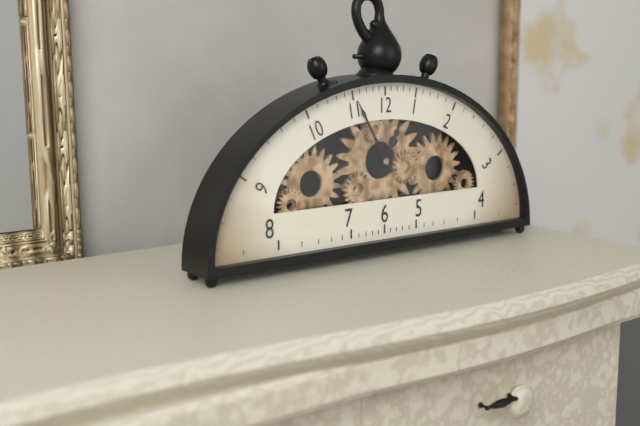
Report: 12:55
